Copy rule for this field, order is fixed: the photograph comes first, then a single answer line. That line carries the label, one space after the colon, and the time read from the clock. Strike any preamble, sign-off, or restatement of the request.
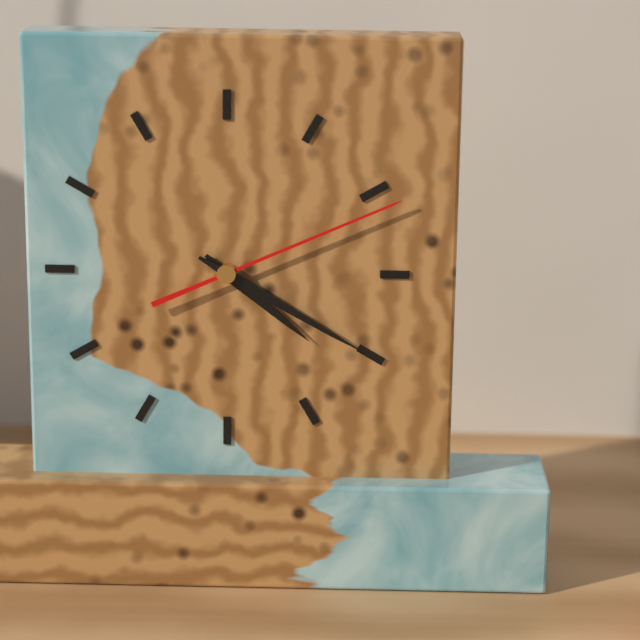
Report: 4:20:11
